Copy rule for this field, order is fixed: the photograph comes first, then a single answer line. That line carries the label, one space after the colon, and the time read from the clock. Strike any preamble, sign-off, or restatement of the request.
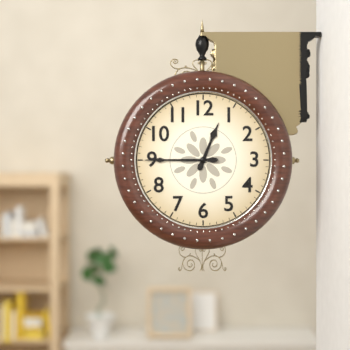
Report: 12:45
